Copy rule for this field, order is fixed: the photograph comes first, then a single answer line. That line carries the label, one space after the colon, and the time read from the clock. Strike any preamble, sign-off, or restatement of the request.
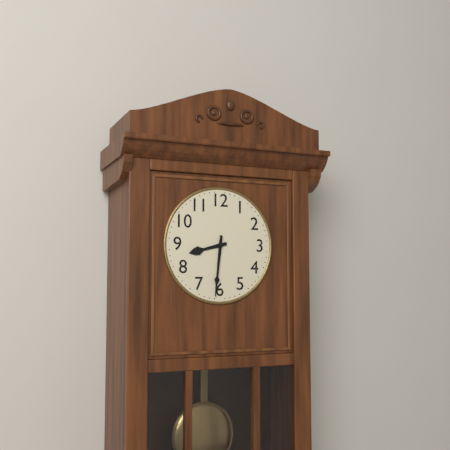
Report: 8:31
